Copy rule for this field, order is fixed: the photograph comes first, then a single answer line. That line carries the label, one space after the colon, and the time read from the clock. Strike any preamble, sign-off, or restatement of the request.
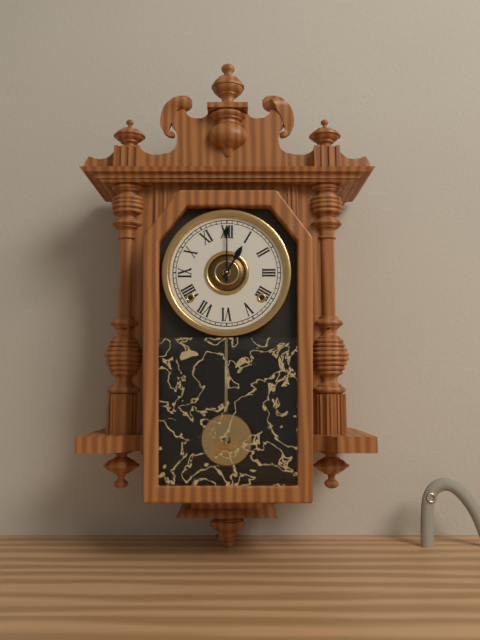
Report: 1:00
